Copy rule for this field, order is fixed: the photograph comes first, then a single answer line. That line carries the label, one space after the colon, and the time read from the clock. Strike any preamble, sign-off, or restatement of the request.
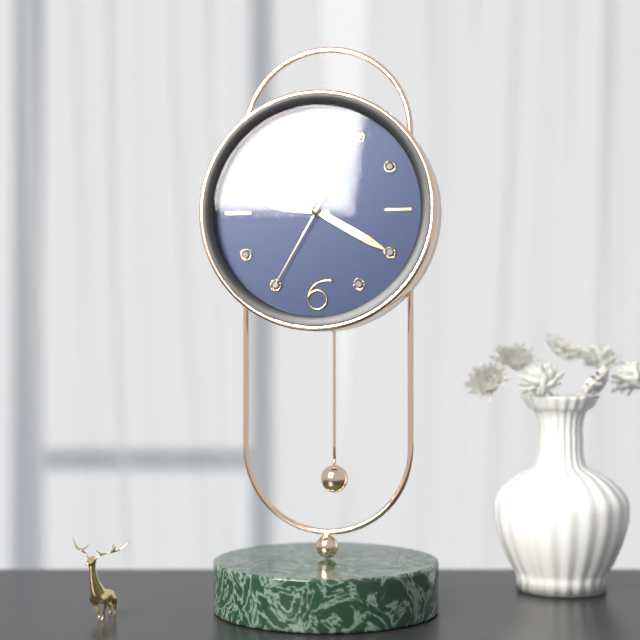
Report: 9:20:35
